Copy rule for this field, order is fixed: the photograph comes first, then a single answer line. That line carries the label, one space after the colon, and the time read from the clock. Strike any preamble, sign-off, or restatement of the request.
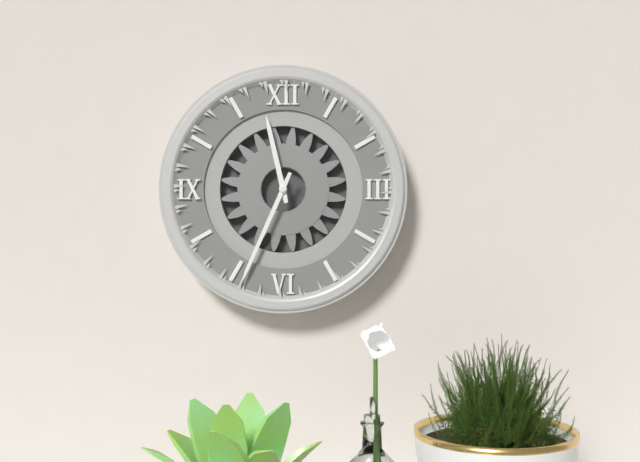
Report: 11:34
